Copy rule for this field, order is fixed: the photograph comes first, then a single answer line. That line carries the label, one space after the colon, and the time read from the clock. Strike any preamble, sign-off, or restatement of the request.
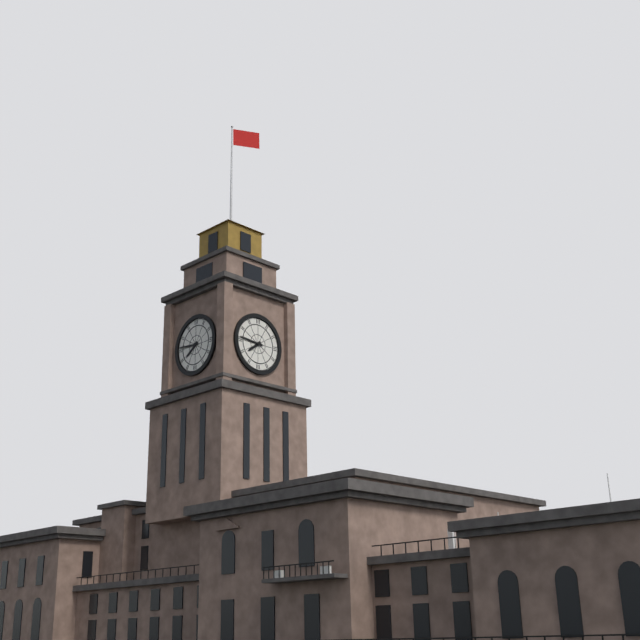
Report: 7:46
